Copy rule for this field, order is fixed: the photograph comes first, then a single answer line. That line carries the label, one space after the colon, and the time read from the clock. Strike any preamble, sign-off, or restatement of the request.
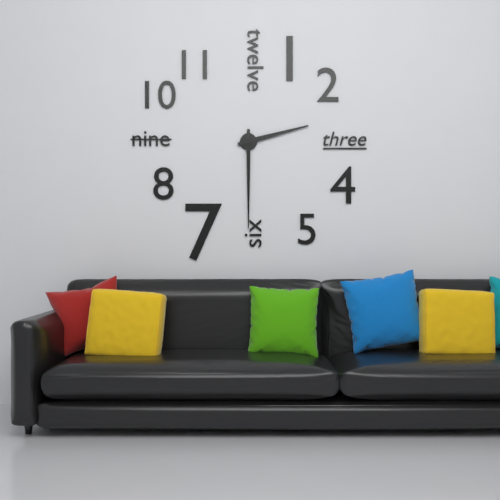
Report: 2:30
